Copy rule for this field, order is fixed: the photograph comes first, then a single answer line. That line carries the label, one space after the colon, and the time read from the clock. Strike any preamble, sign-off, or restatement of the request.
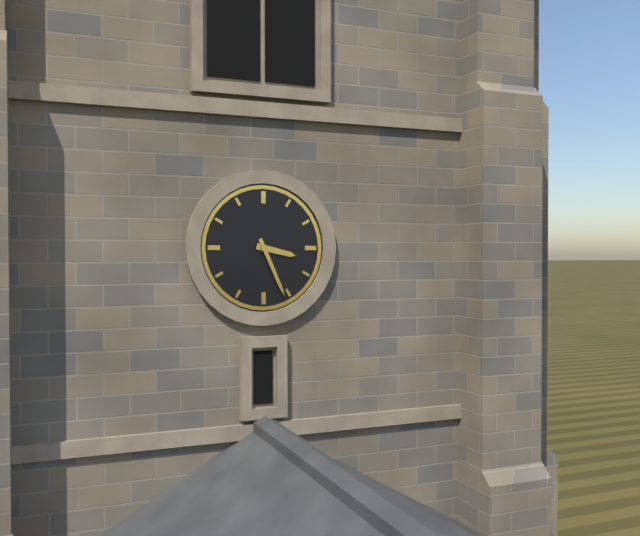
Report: 3:26
